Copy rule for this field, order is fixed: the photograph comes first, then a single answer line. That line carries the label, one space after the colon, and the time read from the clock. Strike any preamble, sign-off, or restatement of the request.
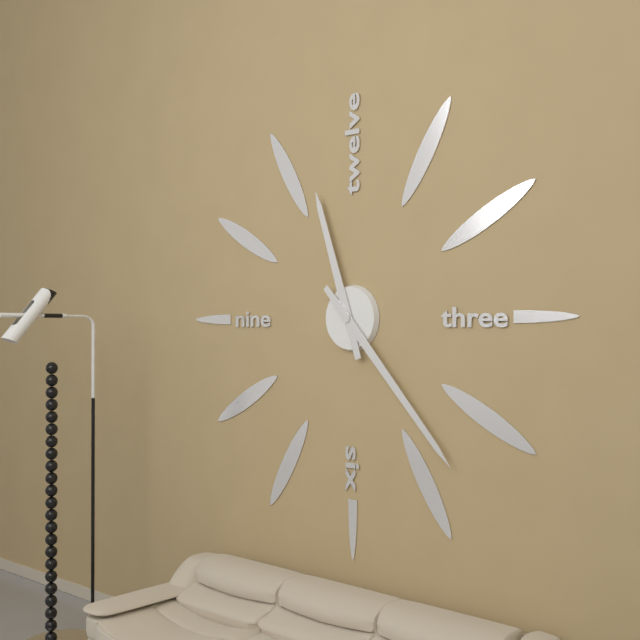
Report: 11:23
